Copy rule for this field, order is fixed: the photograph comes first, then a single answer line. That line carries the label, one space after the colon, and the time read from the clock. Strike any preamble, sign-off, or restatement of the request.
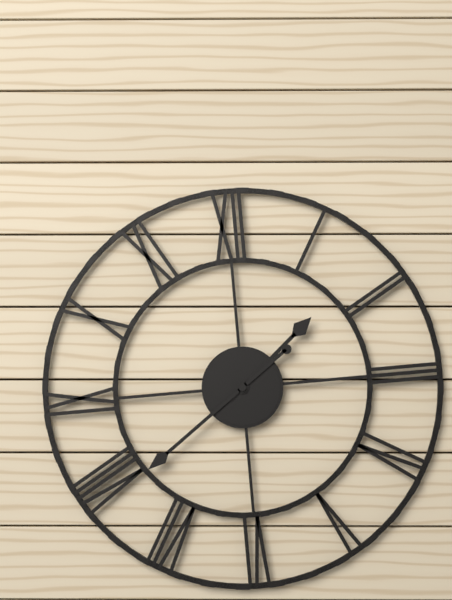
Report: 1:39
